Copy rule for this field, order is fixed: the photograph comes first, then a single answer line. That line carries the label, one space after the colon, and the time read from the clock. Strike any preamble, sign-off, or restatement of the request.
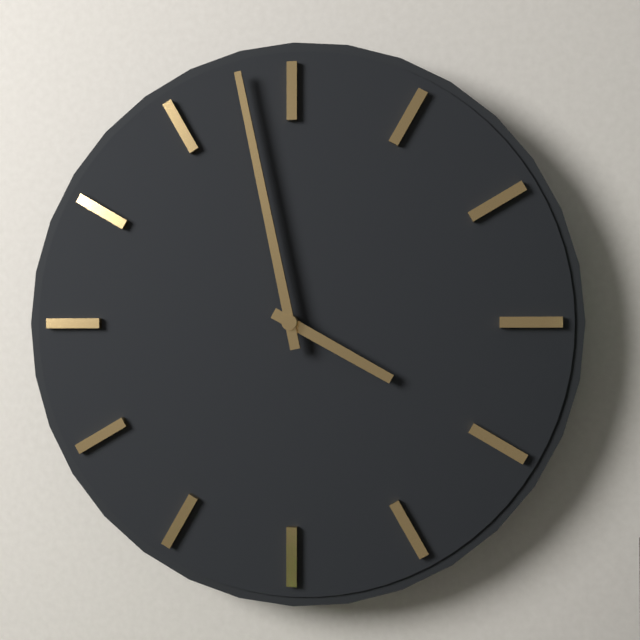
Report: 3:58
